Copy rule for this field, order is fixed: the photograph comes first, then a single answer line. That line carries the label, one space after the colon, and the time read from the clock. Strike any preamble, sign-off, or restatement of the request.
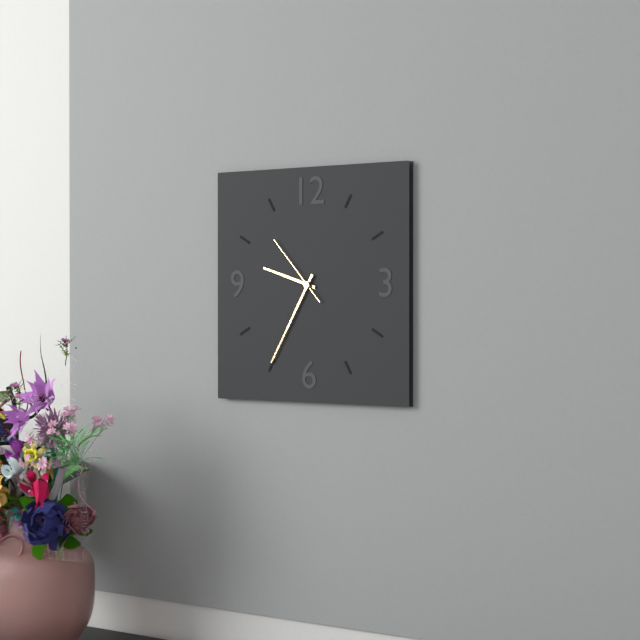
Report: 9:35:53
